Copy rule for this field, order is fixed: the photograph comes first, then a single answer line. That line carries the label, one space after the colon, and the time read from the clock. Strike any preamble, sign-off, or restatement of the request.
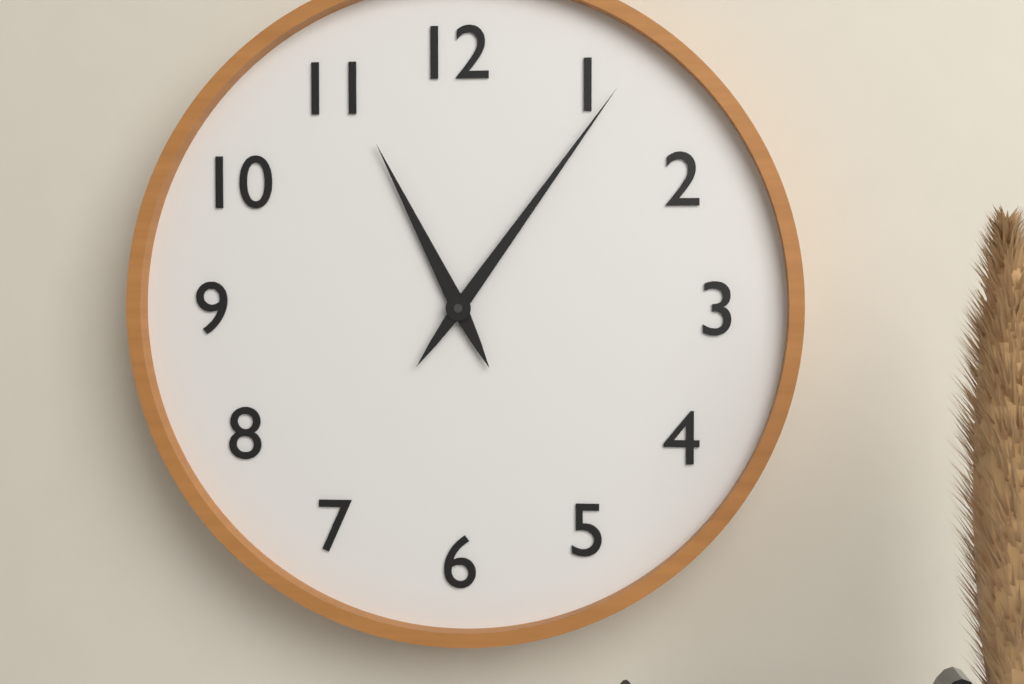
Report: 11:06
